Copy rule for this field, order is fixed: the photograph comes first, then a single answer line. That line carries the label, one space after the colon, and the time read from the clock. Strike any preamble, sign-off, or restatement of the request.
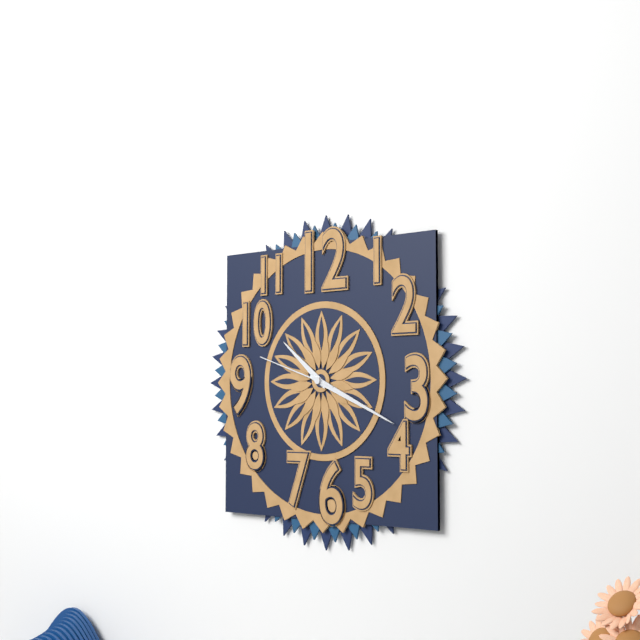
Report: 10:19:48
